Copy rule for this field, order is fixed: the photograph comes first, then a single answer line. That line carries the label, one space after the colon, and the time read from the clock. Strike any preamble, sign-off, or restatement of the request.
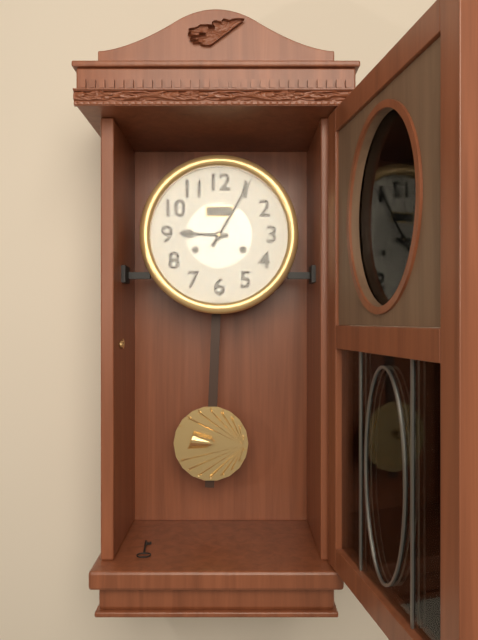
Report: 9:05
